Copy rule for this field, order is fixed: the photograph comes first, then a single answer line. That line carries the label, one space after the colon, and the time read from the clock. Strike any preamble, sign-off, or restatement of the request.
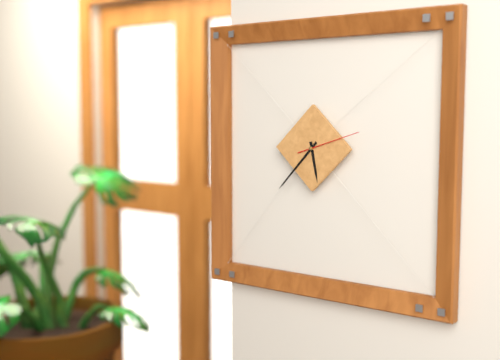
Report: 5:37:12
